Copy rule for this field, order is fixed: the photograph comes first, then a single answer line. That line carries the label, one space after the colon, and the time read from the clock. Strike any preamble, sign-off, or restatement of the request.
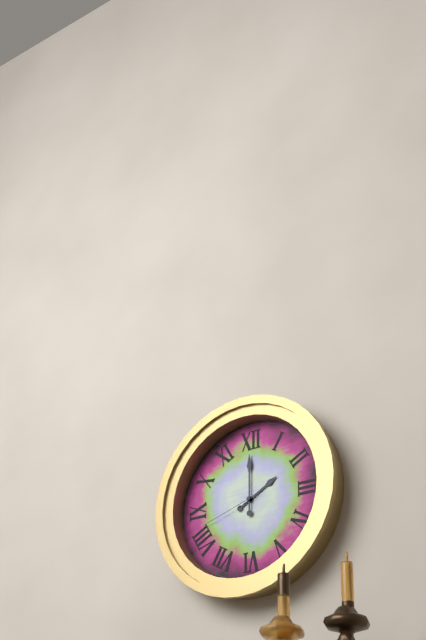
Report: 2:00:42
